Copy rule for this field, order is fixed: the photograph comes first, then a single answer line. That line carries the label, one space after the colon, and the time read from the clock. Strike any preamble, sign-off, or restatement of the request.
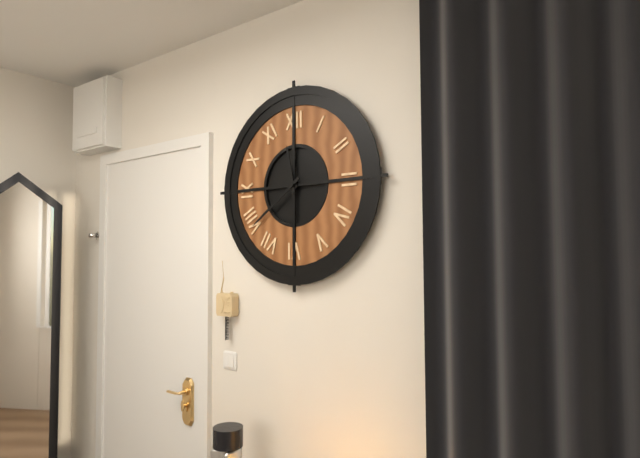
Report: 11:39
